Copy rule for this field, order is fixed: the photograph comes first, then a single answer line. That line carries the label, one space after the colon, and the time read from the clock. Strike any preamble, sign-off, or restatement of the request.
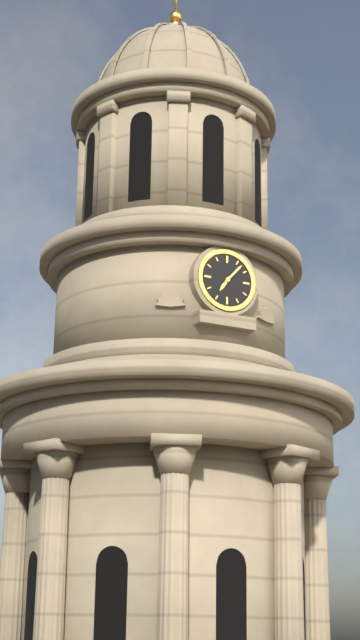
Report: 7:07
